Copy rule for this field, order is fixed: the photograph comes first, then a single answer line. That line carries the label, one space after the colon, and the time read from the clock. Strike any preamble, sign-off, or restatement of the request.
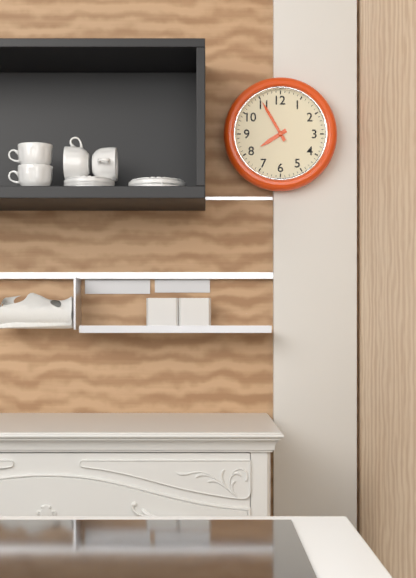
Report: 7:55
